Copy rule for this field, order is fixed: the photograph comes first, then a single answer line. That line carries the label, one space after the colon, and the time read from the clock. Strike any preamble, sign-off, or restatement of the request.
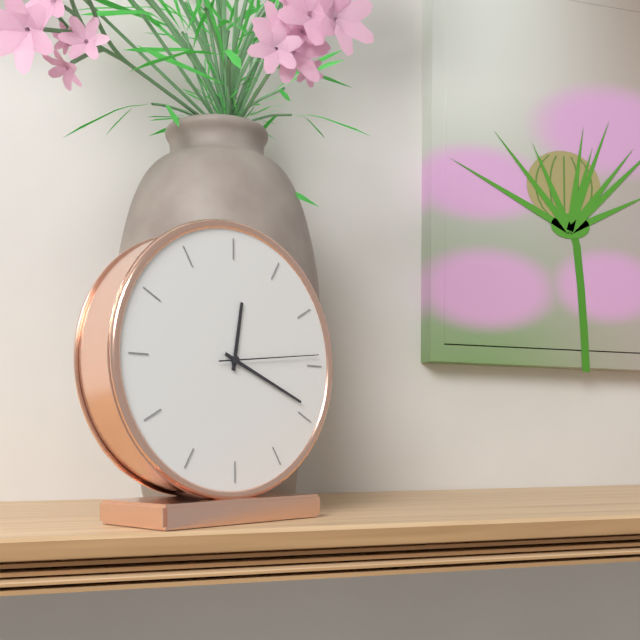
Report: 12:19:14
